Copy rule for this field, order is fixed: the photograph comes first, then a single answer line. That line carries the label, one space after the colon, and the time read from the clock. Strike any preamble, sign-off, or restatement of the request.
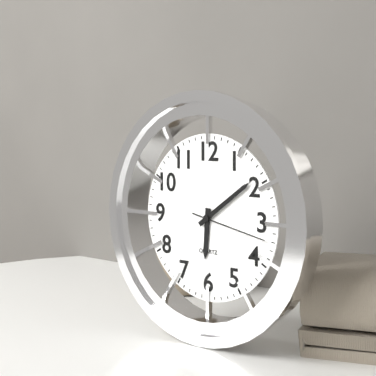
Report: 6:09:17
